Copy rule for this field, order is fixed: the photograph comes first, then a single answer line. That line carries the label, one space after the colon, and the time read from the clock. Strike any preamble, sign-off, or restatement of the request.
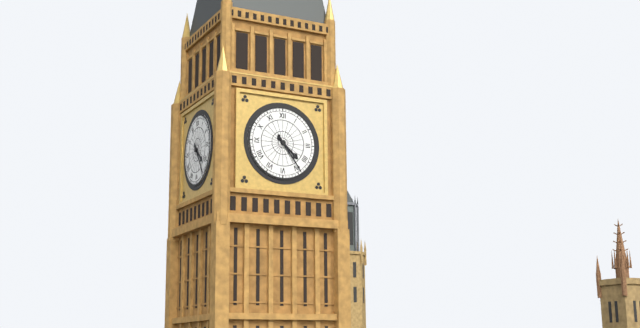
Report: 4:24
